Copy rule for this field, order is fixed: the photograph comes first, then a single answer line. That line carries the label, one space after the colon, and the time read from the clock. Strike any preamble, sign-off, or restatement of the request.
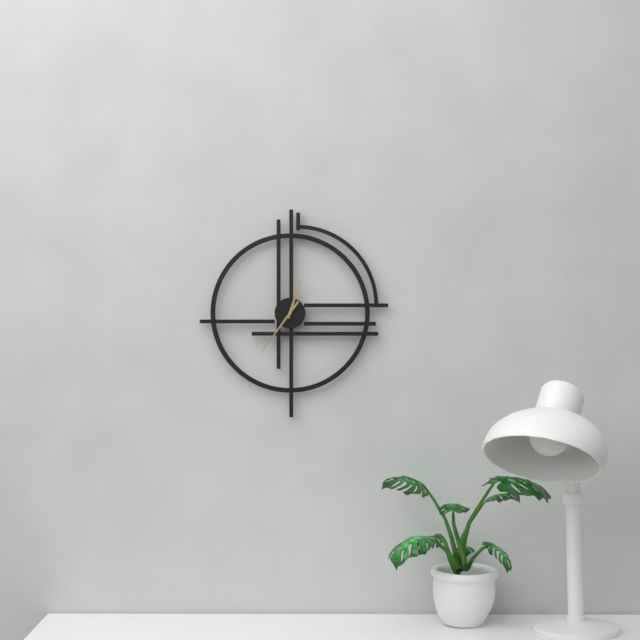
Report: 12:36
